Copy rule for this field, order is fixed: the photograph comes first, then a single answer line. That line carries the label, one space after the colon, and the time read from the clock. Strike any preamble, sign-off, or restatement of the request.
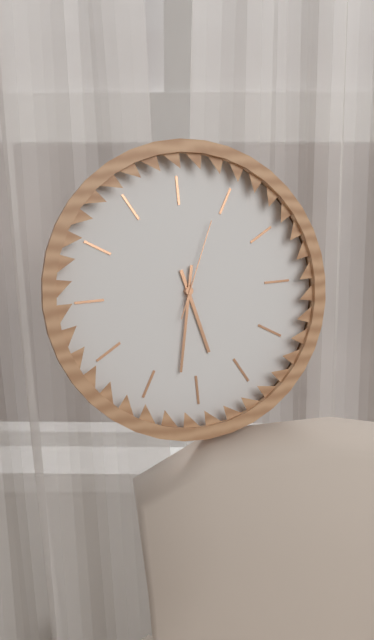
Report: 5:32:04
